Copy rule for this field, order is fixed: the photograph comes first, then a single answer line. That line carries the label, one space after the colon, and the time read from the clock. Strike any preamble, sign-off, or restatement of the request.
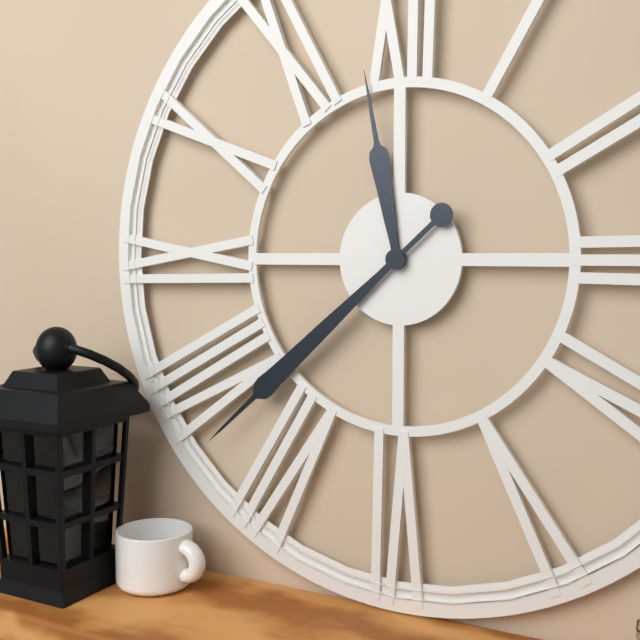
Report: 11:38
